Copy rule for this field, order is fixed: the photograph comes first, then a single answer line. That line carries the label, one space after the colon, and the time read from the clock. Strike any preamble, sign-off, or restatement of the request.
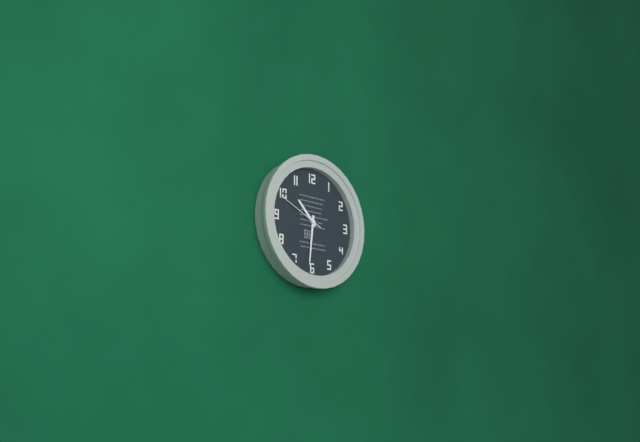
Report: 10:31:49
